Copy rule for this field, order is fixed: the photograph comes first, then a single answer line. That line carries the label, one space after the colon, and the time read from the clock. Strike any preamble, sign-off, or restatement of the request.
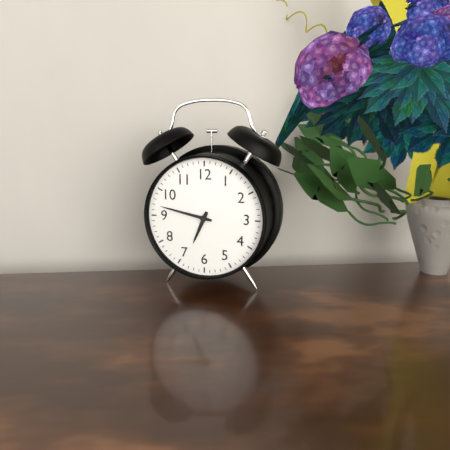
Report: 6:47
